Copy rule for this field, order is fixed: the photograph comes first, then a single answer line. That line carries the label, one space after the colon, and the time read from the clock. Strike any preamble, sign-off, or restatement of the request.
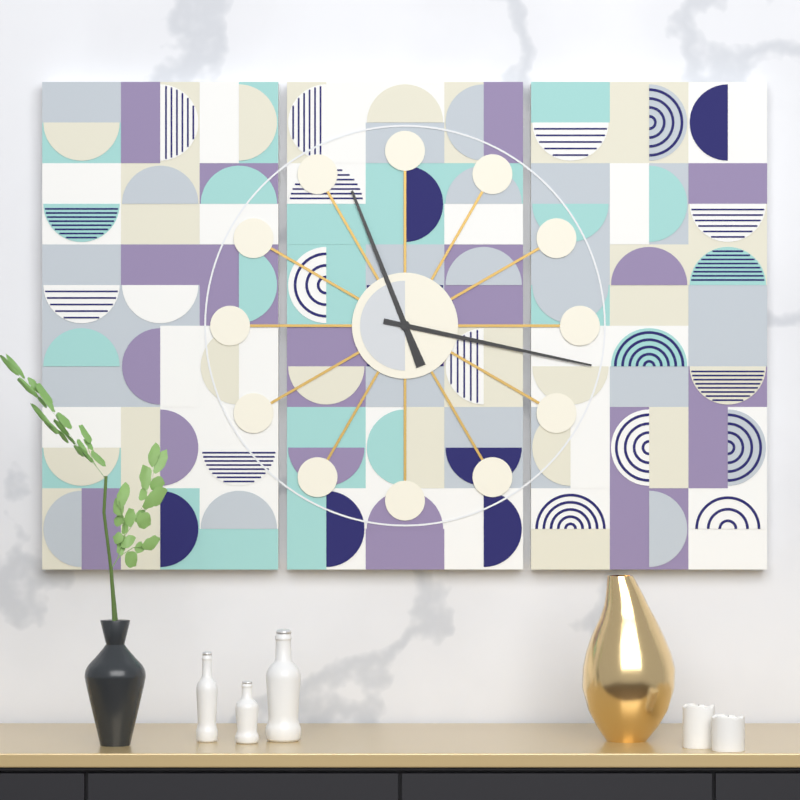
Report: 11:17
